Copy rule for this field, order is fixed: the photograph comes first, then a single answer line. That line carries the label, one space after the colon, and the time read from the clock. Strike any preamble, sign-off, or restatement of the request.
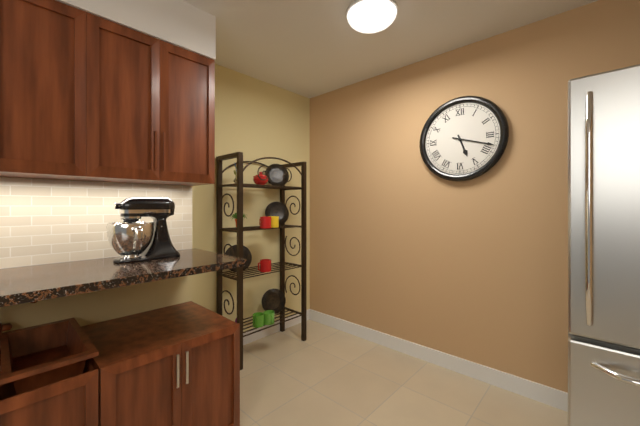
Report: 5:18
